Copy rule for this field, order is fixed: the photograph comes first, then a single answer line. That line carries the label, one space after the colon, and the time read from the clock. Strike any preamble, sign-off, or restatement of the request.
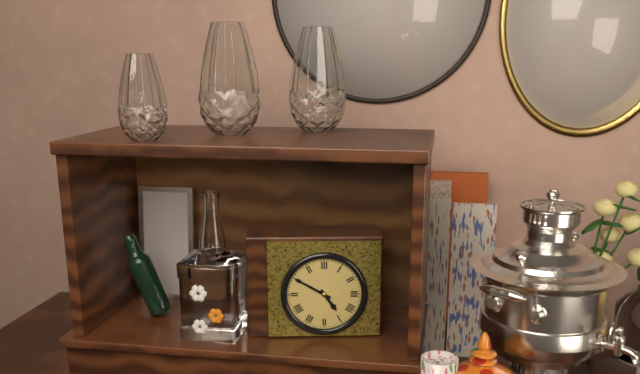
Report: 4:50
